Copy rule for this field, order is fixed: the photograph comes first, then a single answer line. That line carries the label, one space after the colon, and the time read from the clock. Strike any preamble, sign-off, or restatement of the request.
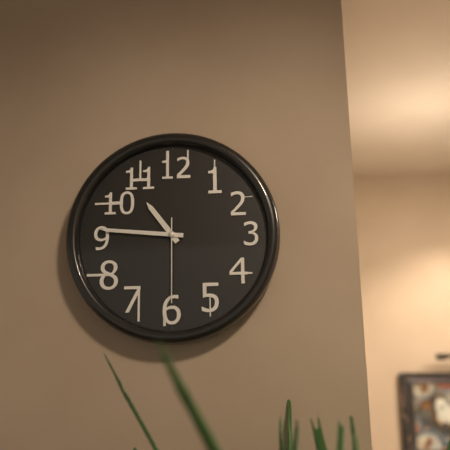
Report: 10:46:30
